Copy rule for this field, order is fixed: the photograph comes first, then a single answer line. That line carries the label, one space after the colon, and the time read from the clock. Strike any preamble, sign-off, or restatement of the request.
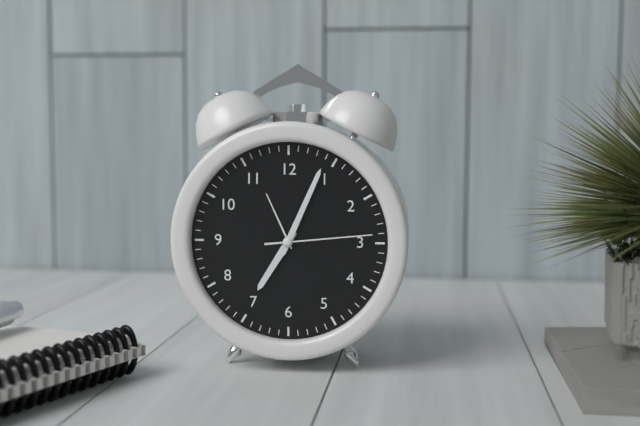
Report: 7:04:14
